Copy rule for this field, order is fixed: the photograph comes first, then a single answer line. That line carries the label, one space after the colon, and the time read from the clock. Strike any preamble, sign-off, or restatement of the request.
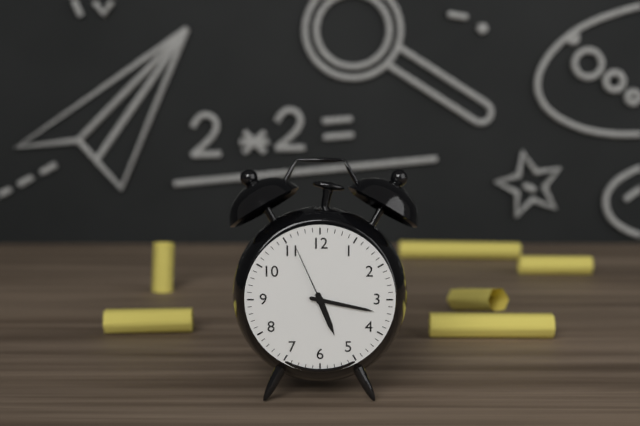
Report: 5:17:56
